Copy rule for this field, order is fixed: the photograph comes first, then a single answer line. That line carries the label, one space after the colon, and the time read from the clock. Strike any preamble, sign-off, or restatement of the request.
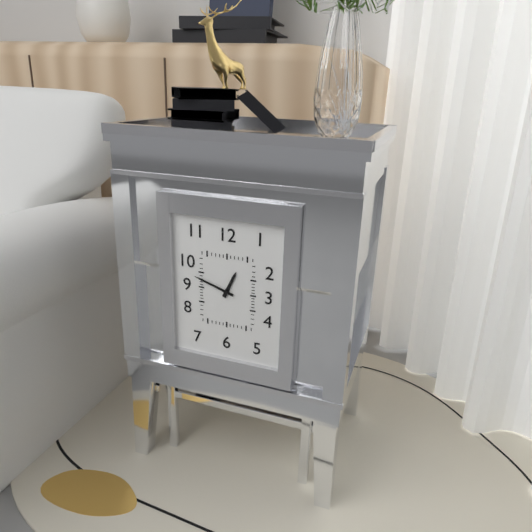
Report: 12:48
